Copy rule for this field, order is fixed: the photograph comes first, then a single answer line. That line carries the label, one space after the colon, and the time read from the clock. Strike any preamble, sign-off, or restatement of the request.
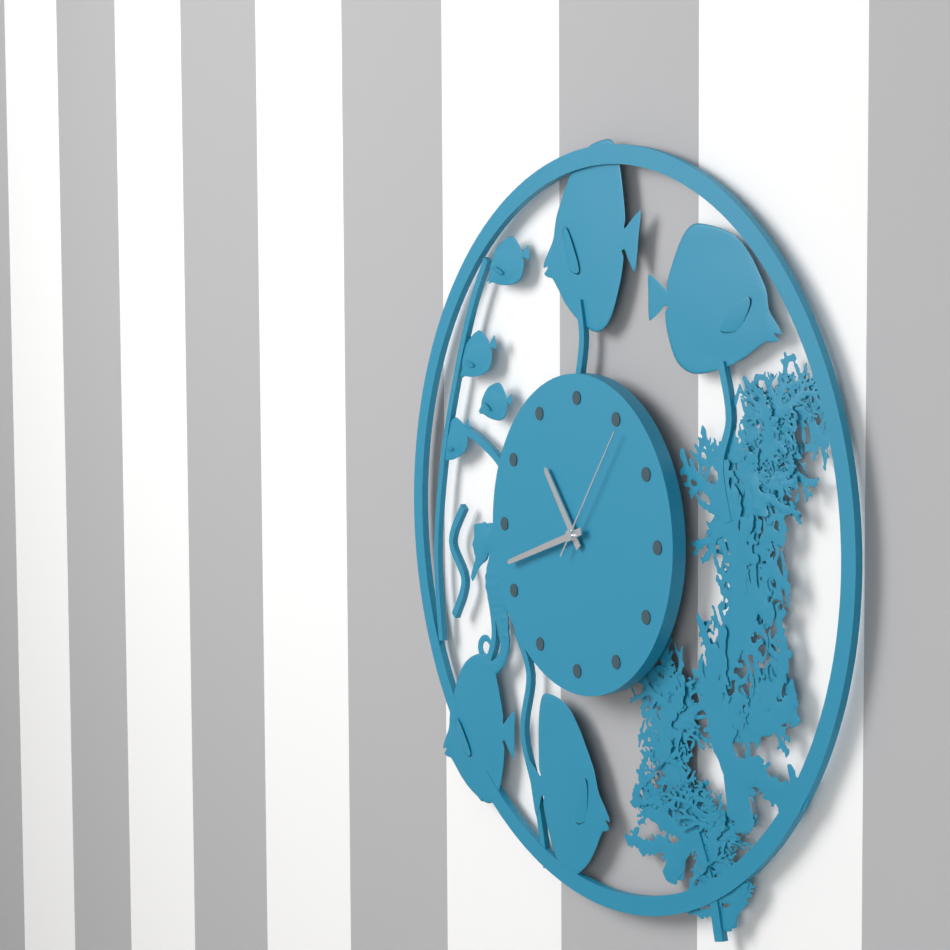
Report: 10:42:06
